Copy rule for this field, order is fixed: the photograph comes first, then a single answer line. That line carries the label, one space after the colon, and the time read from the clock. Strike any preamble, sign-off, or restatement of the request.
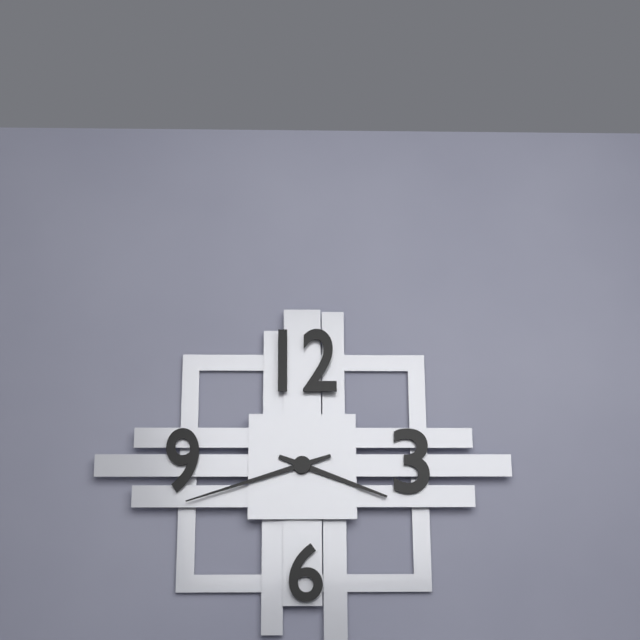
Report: 3:42
